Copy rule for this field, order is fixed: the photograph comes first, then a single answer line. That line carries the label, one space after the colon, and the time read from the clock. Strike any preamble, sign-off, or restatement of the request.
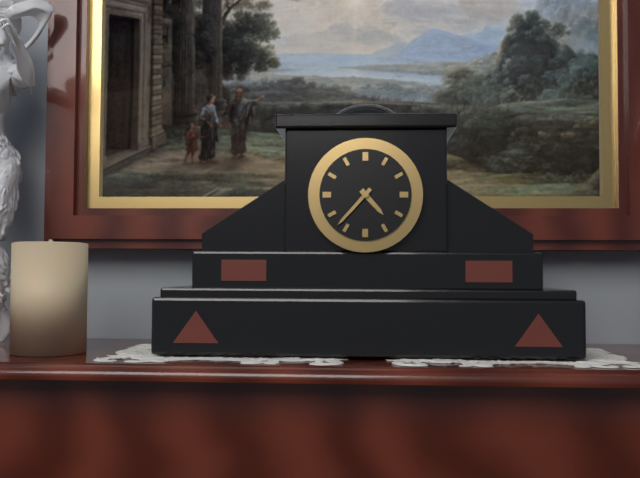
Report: 4:37
